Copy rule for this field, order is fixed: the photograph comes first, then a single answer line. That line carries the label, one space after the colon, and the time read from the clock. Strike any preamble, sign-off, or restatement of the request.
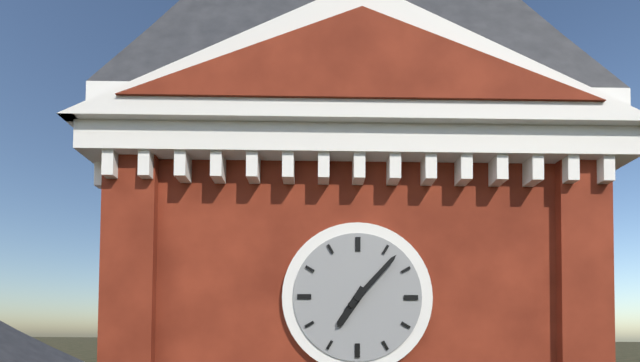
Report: 7:07
